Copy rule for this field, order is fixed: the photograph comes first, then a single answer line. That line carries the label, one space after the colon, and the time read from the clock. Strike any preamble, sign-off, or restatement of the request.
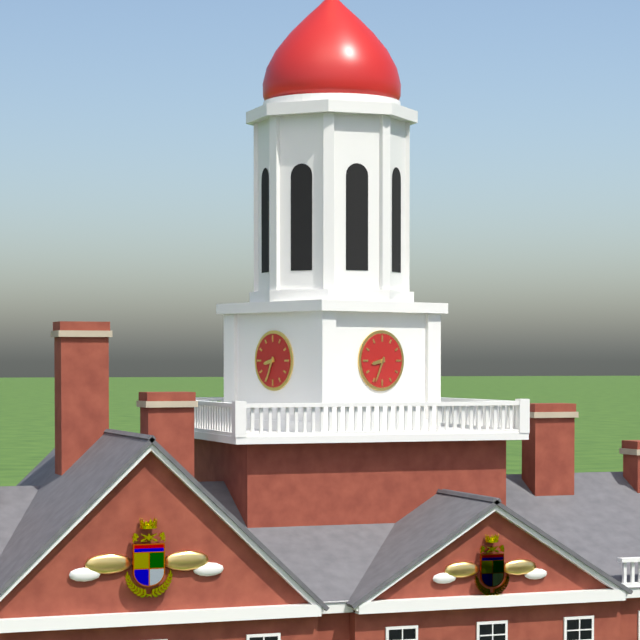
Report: 8:34
